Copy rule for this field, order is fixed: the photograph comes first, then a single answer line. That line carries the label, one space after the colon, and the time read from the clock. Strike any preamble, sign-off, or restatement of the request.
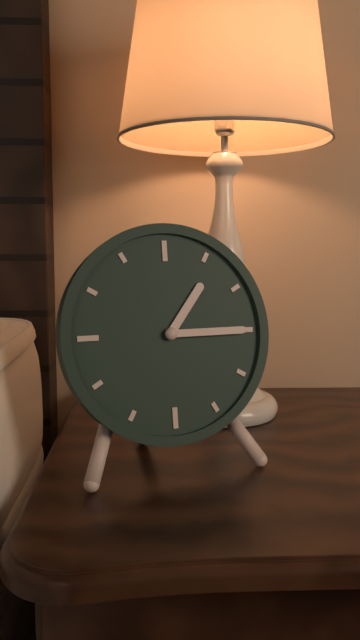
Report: 1:15
